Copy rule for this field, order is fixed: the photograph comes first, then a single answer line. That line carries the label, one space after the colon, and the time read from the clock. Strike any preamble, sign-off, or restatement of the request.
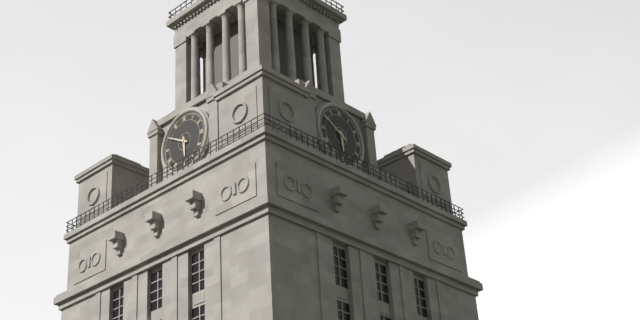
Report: 5:50
